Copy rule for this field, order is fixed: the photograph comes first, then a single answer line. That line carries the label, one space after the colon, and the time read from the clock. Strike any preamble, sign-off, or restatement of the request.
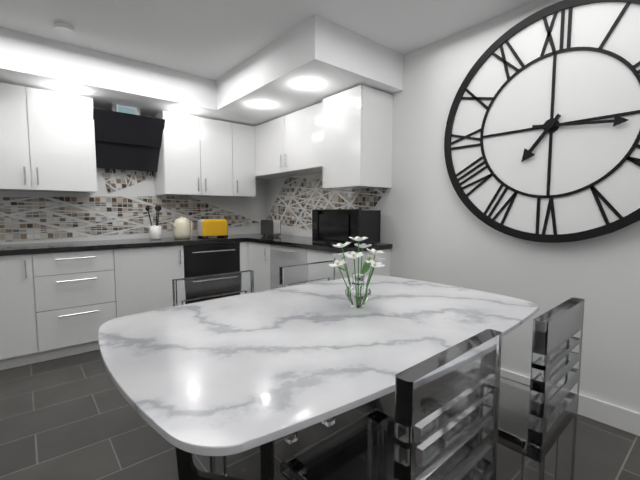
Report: 7:16
